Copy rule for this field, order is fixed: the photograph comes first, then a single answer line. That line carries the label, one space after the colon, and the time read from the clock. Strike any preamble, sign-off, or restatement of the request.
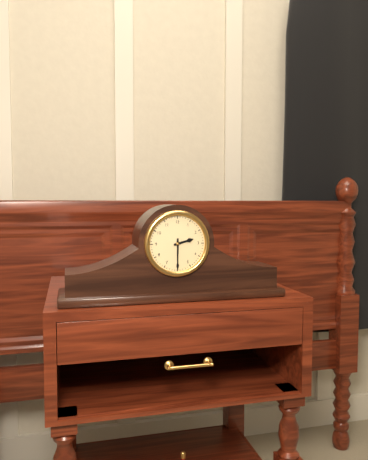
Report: 2:30
